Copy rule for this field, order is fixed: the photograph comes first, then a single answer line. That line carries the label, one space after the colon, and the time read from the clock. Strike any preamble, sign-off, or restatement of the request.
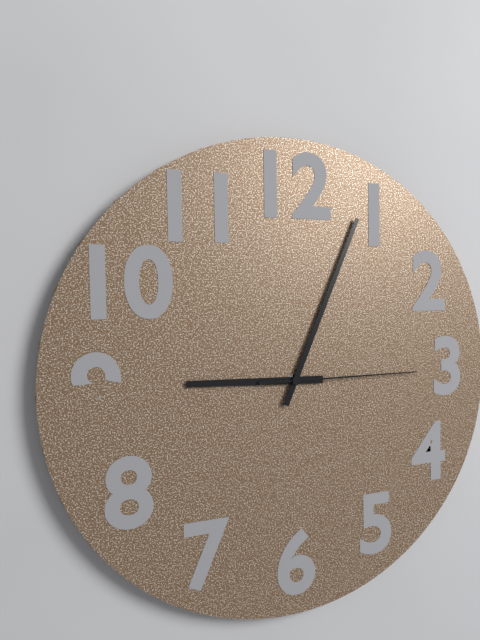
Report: 9:04:15
